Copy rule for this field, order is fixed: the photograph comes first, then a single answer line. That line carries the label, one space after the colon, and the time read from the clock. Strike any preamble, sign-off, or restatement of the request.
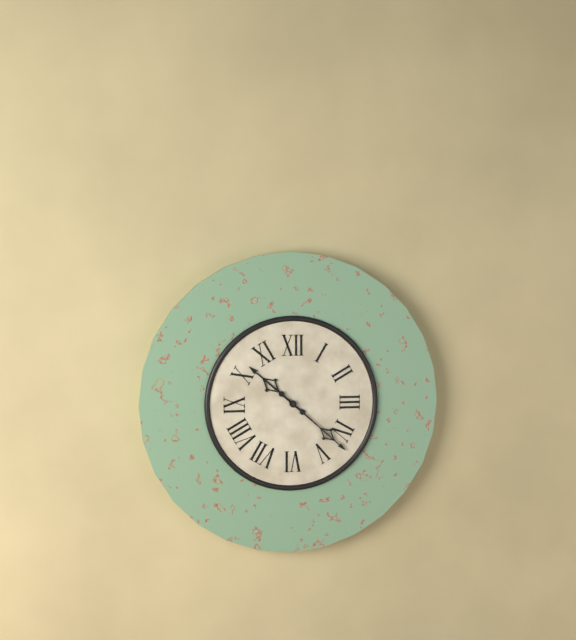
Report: 10:22
